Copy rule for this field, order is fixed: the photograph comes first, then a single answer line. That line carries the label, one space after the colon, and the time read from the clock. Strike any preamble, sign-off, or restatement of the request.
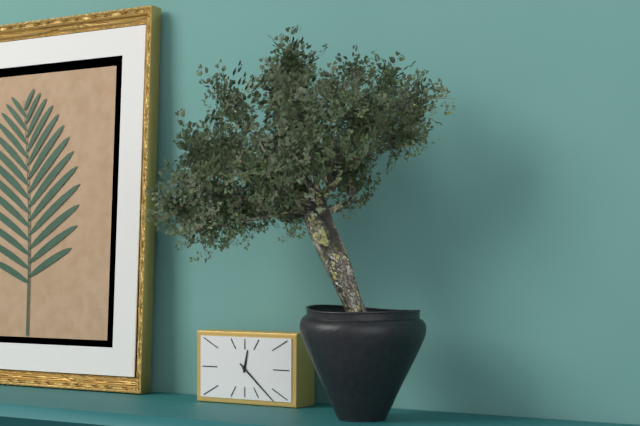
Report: 12:22
